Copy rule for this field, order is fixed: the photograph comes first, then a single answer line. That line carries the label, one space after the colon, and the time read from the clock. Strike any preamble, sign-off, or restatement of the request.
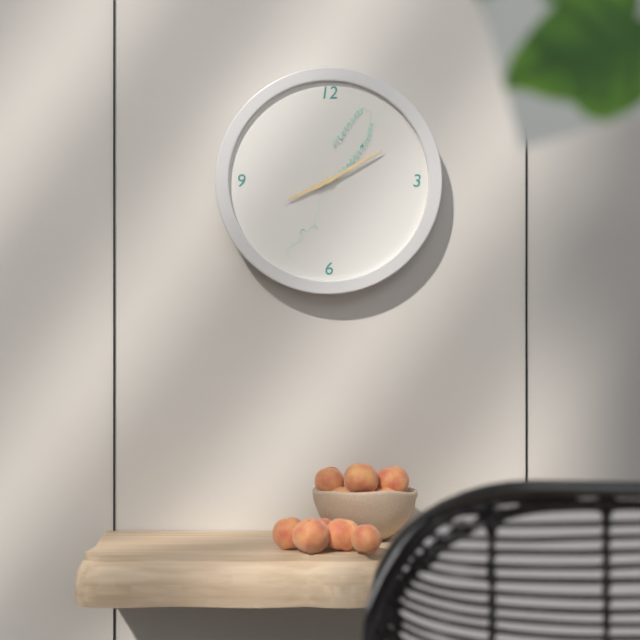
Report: 8:10
